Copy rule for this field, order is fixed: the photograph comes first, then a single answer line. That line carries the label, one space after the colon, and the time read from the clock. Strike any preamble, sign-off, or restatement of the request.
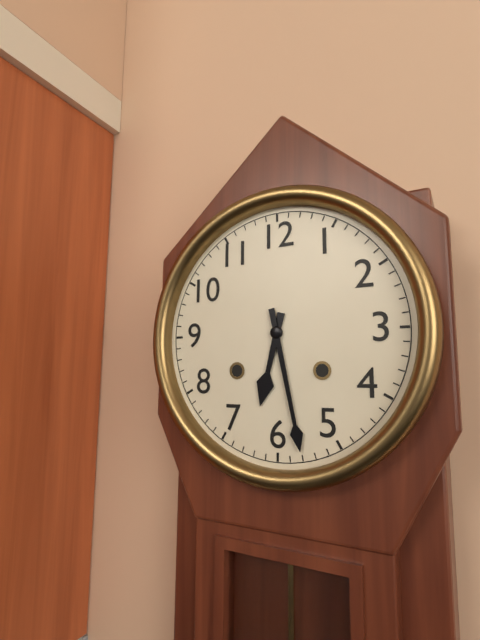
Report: 6:28
